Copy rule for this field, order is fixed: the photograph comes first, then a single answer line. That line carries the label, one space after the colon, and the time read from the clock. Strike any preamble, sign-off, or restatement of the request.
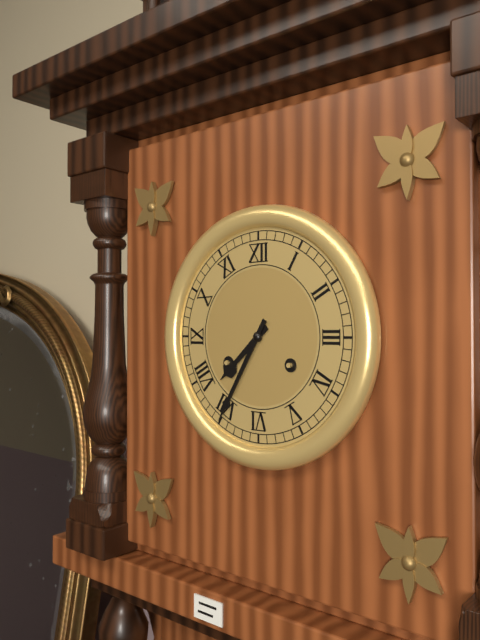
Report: 7:35
